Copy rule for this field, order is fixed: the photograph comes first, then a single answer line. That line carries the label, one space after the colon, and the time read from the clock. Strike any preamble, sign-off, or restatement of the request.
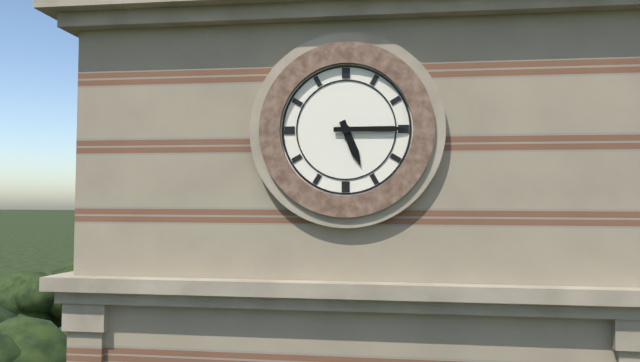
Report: 5:15
